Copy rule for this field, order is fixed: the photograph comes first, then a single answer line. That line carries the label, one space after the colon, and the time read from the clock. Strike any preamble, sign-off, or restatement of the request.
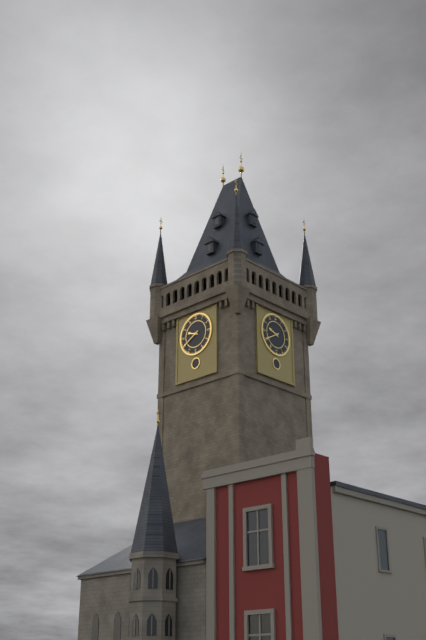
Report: 9:40
